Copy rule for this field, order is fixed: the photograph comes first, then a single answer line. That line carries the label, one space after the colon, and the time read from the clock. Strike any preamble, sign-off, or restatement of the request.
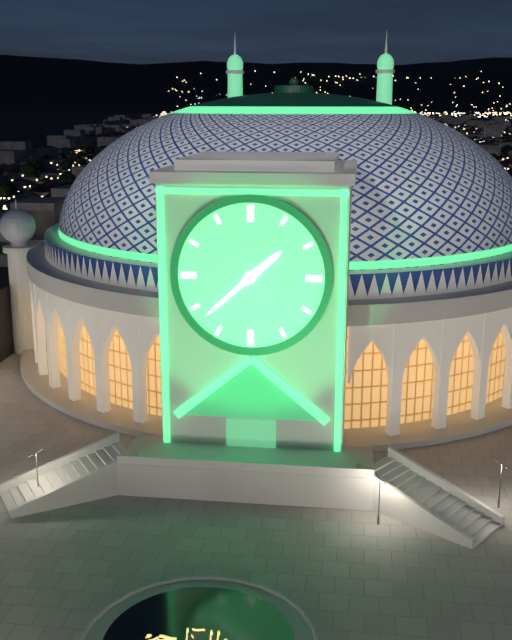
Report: 1:38
